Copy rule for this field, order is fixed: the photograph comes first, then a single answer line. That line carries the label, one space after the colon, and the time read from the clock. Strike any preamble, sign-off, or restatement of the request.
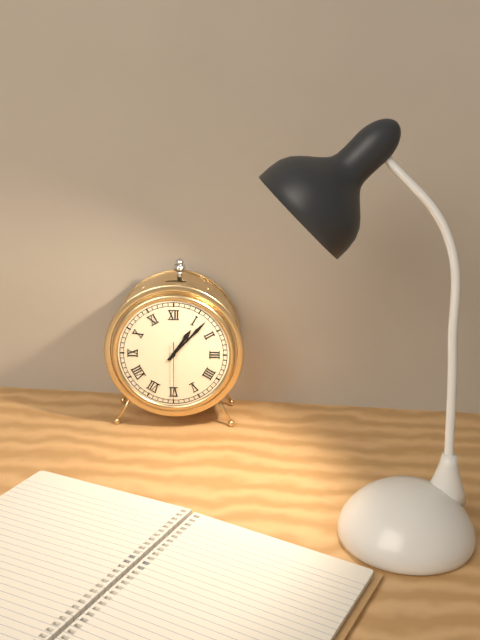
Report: 1:07:30
